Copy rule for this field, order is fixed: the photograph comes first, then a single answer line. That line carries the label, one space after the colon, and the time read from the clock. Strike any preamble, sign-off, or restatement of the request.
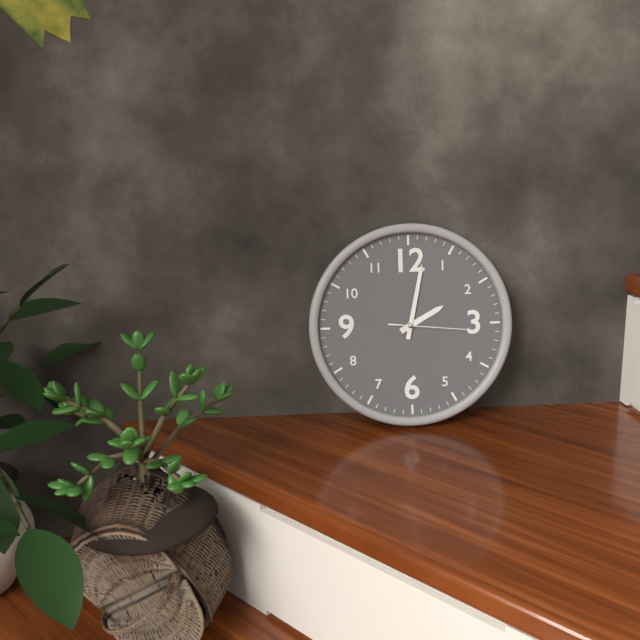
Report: 2:02:16
